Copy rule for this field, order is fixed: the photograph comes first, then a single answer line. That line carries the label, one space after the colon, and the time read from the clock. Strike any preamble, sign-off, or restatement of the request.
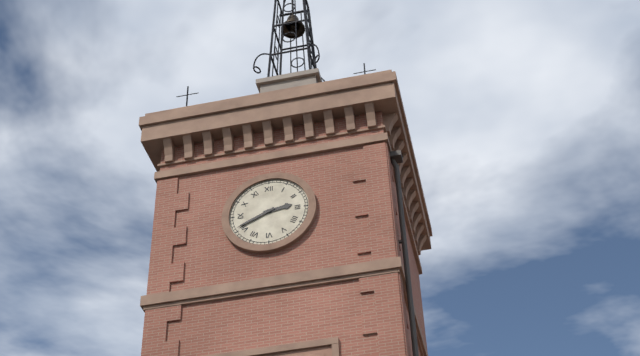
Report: 2:41
